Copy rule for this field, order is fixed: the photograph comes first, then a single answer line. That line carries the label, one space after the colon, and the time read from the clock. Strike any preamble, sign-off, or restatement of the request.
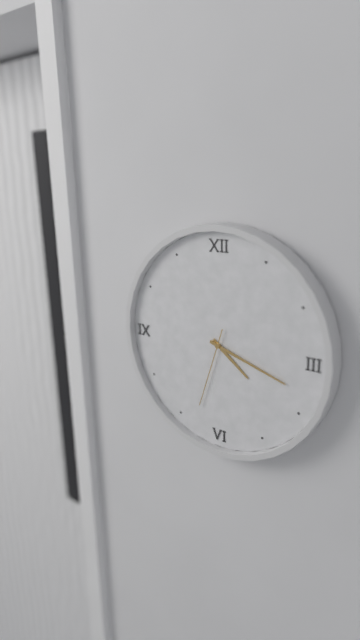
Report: 4:18:33
